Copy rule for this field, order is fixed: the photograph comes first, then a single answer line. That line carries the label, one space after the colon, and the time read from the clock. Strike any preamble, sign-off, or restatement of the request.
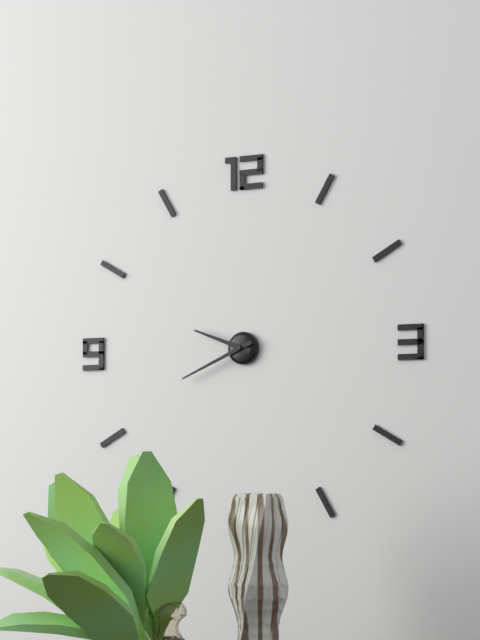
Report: 9:41
